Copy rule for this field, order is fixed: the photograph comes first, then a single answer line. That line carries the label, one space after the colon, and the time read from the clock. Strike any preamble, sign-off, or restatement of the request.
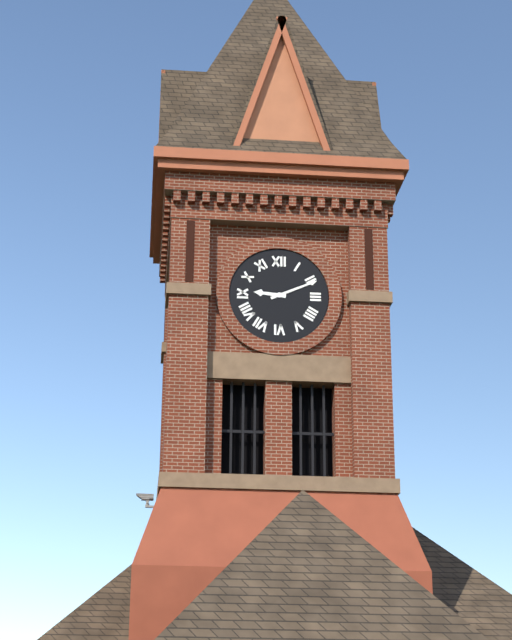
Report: 9:11
